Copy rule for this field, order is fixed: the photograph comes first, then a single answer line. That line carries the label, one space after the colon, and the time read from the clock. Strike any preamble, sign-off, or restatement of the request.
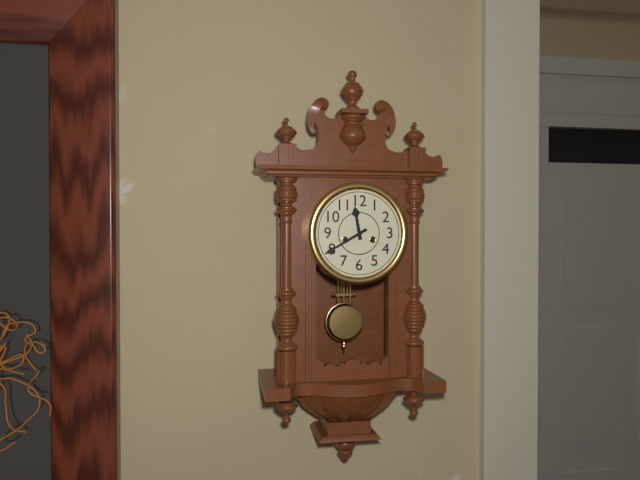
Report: 11:40
